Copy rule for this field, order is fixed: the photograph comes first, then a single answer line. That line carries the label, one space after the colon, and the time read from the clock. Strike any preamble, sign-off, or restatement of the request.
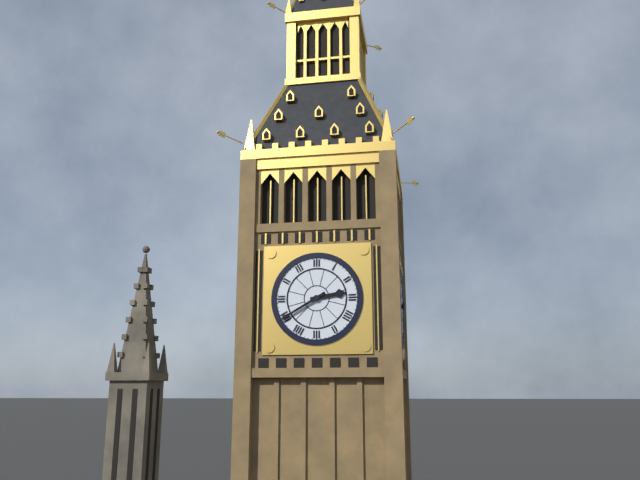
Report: 2:40
